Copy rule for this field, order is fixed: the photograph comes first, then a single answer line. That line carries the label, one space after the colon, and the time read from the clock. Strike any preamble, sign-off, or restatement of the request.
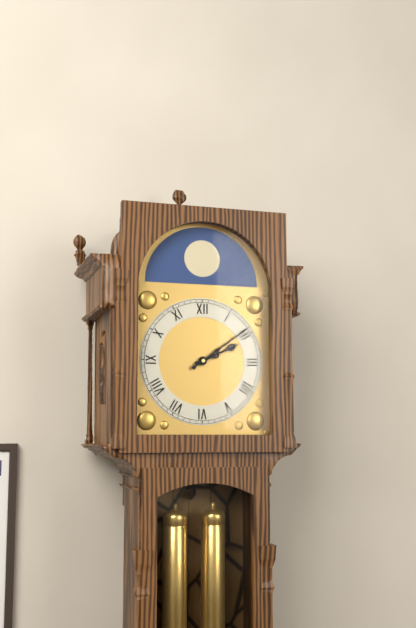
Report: 2:09
